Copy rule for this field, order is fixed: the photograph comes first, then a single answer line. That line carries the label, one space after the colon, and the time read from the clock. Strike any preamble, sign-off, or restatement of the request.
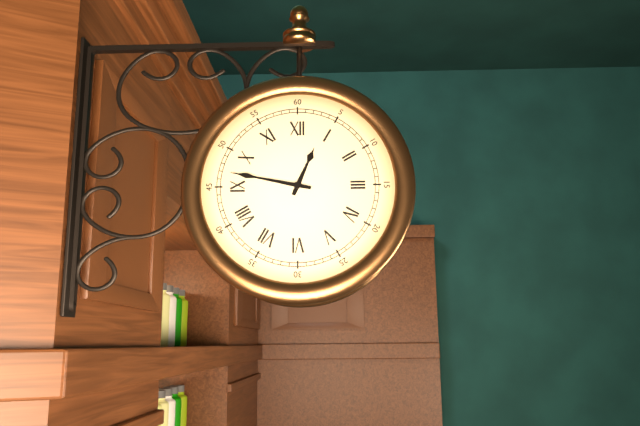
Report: 12:47
